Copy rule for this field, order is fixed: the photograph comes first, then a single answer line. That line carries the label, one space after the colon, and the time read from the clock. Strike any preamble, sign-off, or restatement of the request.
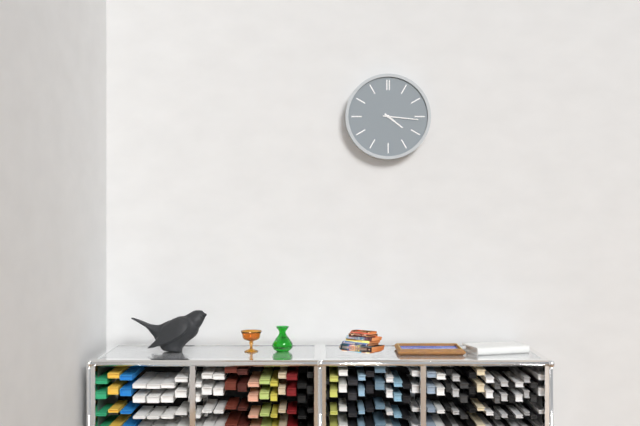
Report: 4:16
